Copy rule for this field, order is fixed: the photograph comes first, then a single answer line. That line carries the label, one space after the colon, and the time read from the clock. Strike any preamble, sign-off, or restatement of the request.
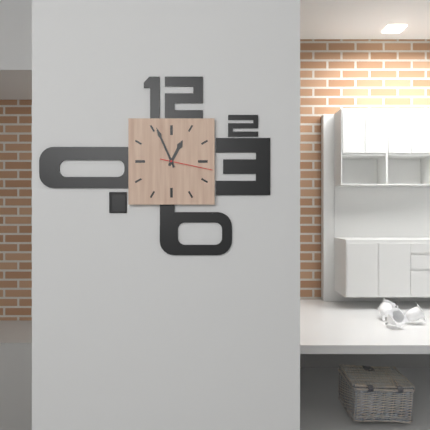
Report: 12:56:17
